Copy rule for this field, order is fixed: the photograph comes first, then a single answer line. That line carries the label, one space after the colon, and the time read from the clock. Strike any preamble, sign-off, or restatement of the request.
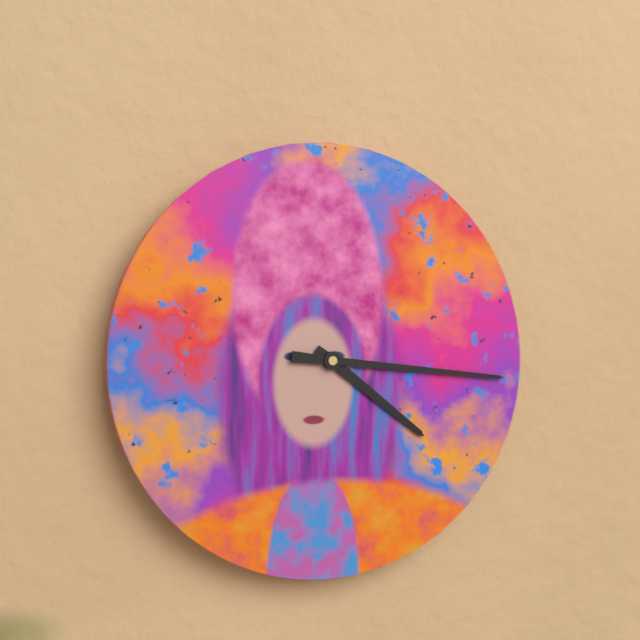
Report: 4:16
